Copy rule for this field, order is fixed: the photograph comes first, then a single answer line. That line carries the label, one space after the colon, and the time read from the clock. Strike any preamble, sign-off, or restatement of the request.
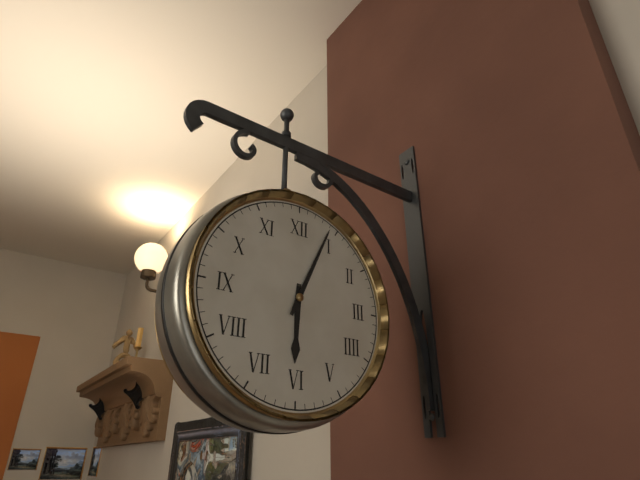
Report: 6:04
